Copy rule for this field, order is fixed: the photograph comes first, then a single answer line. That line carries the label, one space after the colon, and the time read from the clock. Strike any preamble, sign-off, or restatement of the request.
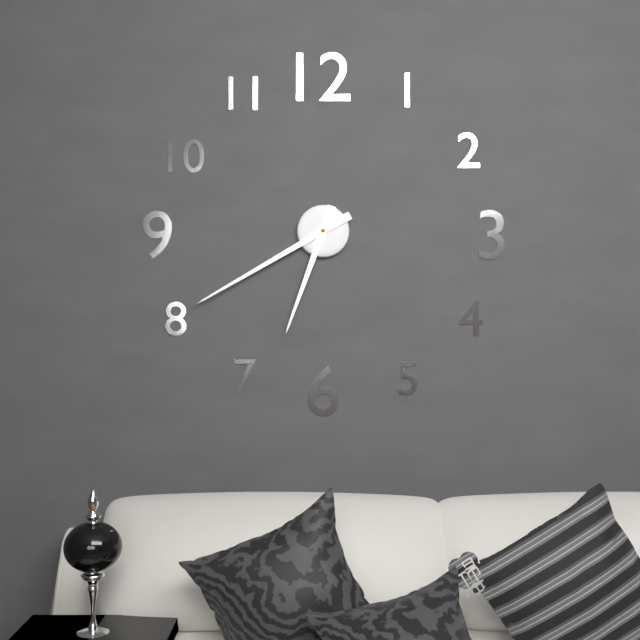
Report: 6:40
